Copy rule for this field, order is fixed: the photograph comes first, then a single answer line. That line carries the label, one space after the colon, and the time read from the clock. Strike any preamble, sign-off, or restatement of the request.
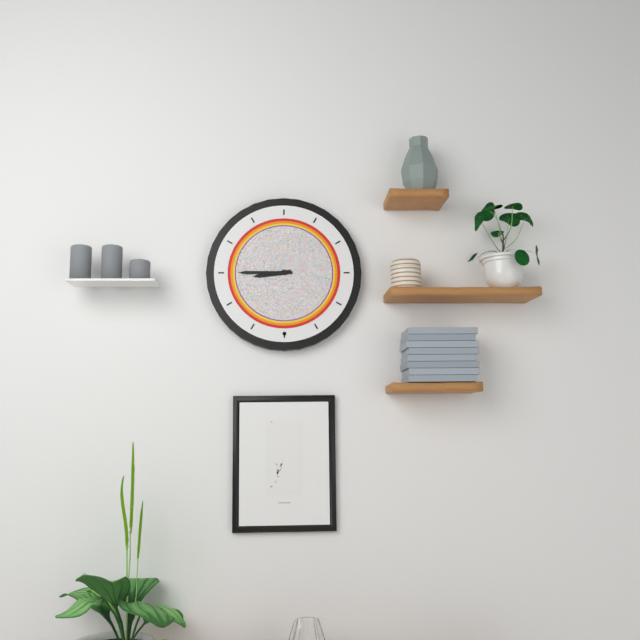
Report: 8:45
